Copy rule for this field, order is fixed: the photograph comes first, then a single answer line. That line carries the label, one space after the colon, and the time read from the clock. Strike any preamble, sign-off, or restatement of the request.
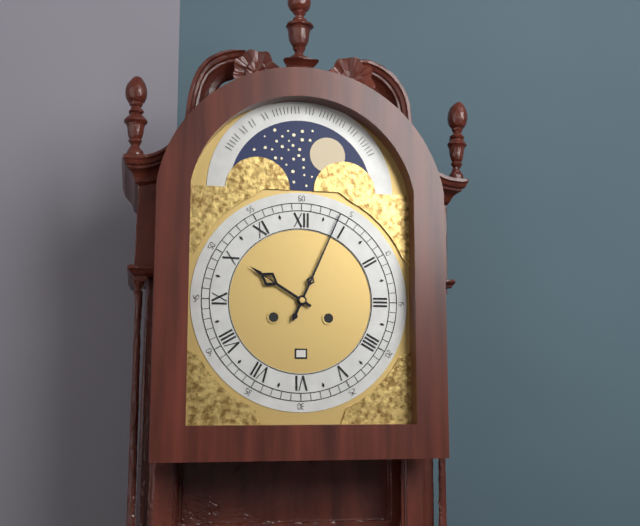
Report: 10:04
